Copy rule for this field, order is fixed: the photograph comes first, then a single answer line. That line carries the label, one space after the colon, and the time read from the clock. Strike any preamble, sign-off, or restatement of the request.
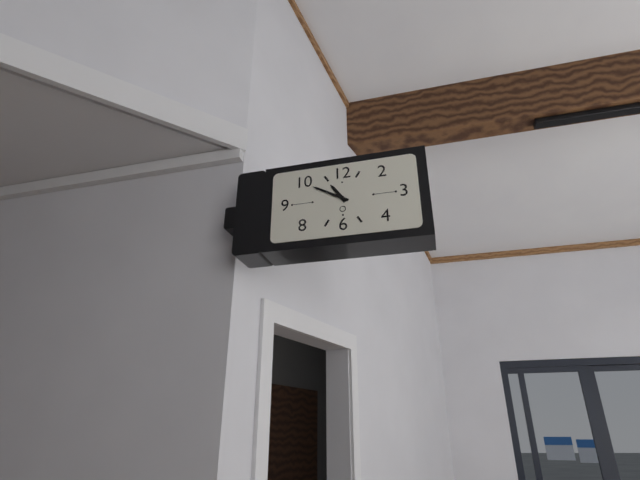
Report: 10:50
